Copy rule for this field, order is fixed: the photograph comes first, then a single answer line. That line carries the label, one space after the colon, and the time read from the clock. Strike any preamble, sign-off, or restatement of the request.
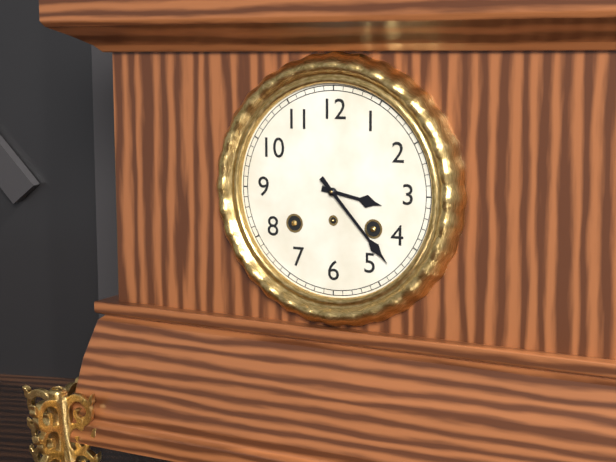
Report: 3:23
